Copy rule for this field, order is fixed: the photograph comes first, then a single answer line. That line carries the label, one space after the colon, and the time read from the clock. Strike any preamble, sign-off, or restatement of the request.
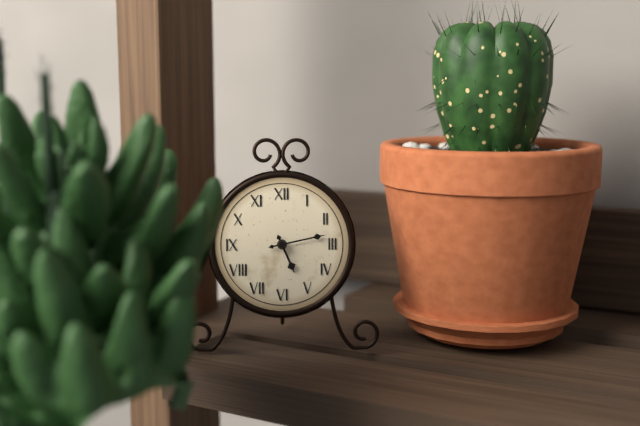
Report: 5:13
